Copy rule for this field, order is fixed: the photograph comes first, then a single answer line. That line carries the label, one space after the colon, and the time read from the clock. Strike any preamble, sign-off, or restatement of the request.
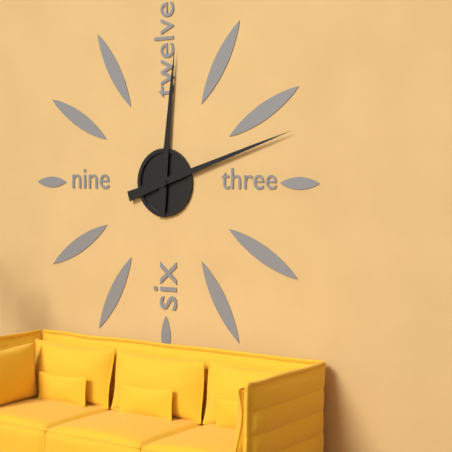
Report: 12:12
